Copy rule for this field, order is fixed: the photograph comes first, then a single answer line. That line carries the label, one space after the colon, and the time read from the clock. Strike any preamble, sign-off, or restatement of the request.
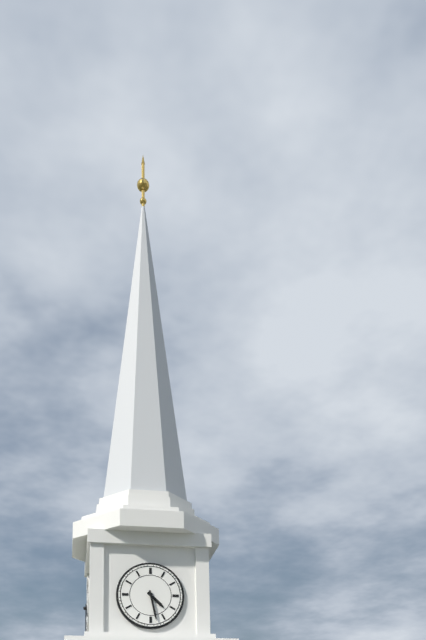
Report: 4:28
